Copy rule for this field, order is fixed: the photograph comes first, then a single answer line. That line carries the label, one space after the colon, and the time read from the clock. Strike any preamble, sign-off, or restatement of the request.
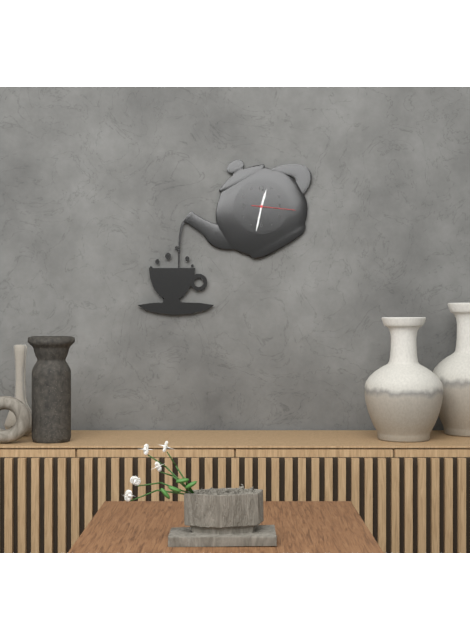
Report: 12:32
